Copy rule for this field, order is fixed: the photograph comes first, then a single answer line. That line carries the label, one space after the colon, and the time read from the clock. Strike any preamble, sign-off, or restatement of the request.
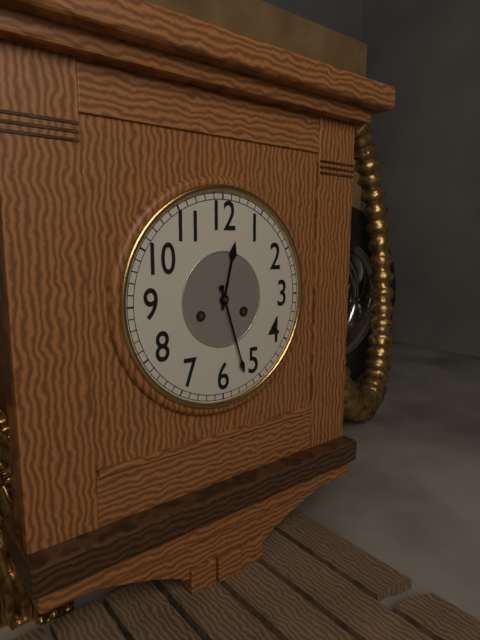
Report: 12:27
